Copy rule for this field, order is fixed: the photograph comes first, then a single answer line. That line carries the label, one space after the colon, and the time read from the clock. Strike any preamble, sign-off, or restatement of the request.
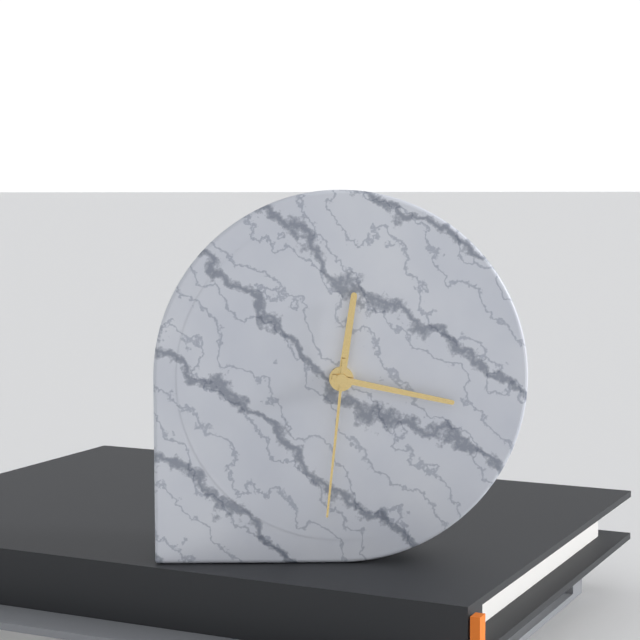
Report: 12:17:31
